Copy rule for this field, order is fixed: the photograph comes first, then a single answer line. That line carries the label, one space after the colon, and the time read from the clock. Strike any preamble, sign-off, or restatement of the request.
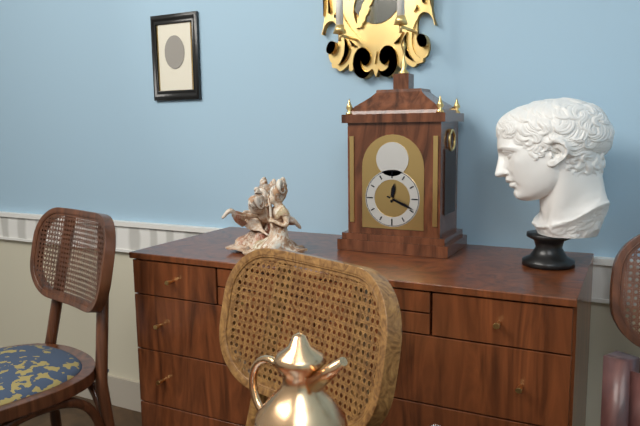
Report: 12:19
